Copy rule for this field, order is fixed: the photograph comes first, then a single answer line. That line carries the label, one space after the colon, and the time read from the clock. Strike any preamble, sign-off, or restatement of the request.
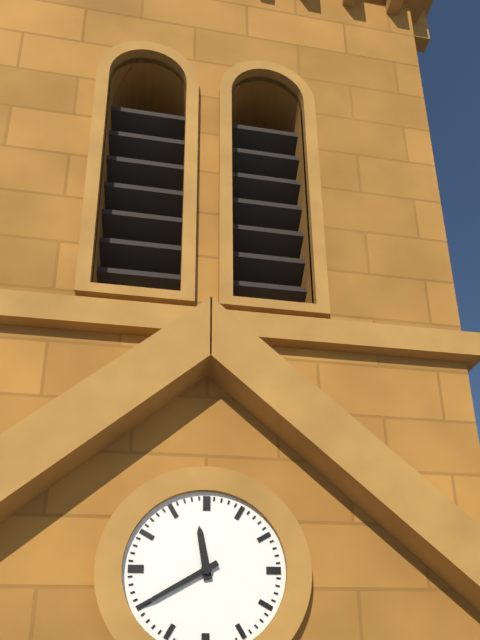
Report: 11:40
